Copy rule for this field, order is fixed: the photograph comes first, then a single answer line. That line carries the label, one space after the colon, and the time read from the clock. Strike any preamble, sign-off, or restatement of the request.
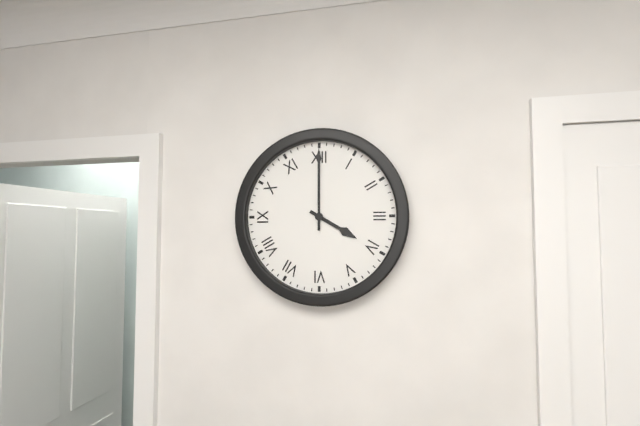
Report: 4:00
